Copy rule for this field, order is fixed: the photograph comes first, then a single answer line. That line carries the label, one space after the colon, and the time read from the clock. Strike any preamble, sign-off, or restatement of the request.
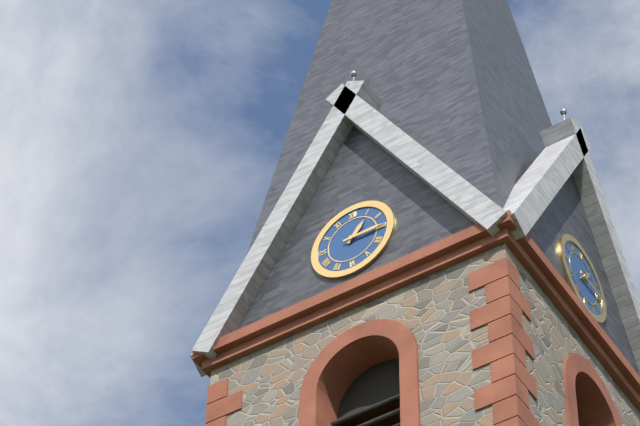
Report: 1:15
